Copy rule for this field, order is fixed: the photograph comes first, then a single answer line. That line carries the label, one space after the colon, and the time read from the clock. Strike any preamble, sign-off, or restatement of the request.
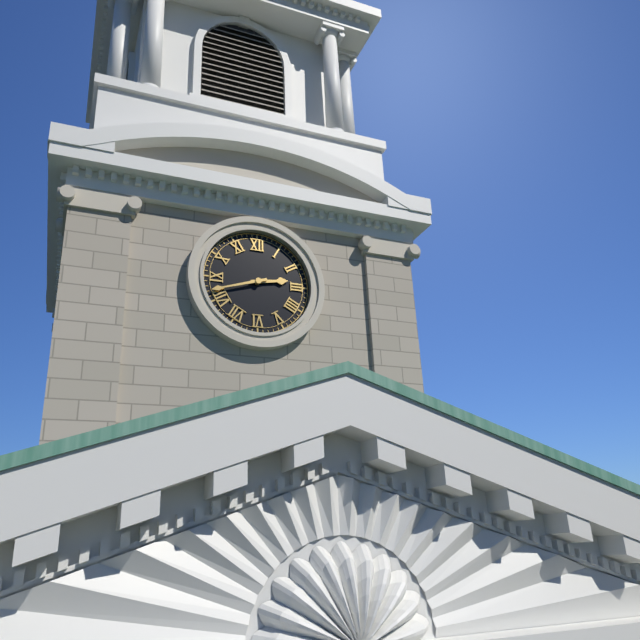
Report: 2:42
